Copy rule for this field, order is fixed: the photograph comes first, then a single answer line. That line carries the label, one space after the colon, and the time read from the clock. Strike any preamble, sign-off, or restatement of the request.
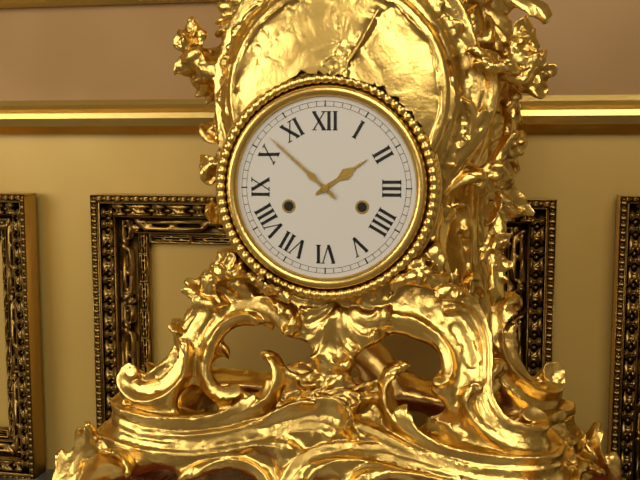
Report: 1:52
